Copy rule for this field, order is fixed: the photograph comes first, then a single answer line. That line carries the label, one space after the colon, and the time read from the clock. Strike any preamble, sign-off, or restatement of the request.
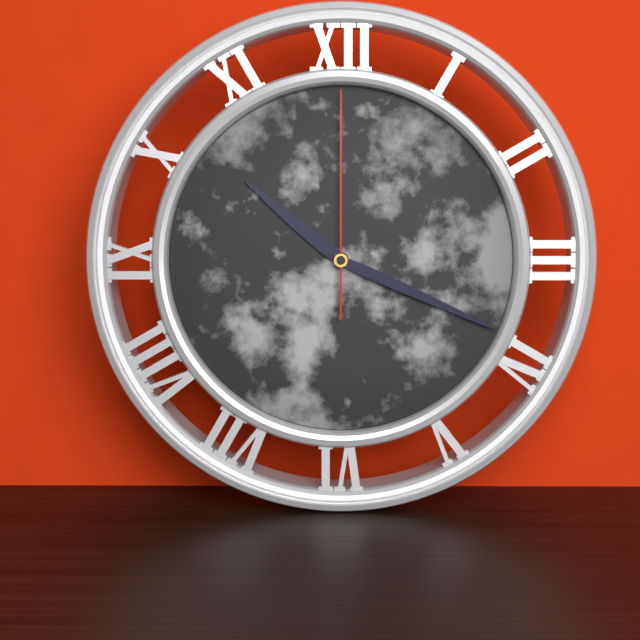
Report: 10:19:00
